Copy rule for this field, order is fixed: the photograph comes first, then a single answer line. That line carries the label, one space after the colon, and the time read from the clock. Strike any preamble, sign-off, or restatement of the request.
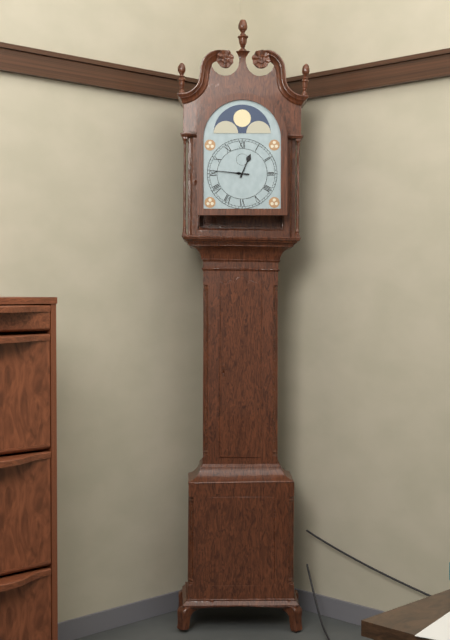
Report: 12:46
